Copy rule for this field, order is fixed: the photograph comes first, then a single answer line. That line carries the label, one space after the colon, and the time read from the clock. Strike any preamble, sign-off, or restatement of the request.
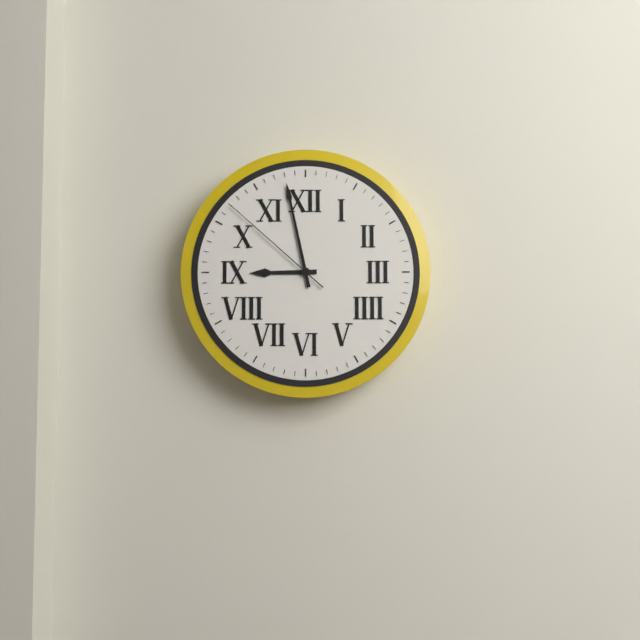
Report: 8:58:52
